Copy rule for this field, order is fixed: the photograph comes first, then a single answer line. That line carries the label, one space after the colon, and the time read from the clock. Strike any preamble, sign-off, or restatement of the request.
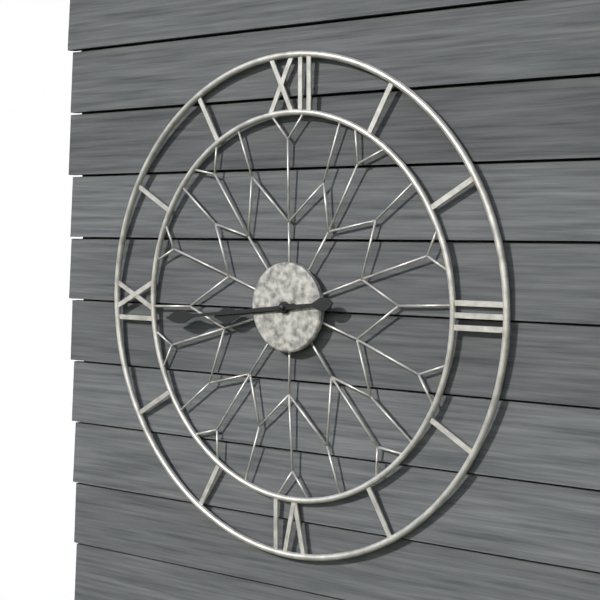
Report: 8:44
